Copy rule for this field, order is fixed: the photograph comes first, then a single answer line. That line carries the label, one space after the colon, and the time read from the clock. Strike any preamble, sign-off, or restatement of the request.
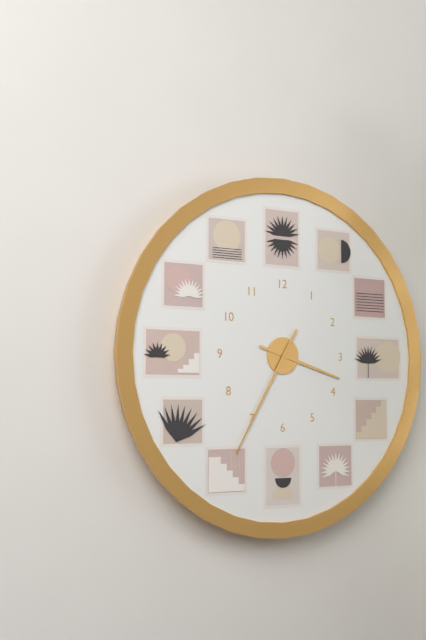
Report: 3:35
